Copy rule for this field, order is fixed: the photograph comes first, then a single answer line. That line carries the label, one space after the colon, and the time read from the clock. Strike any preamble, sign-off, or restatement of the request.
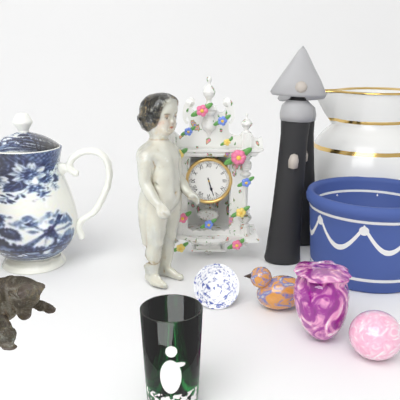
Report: 5:27
